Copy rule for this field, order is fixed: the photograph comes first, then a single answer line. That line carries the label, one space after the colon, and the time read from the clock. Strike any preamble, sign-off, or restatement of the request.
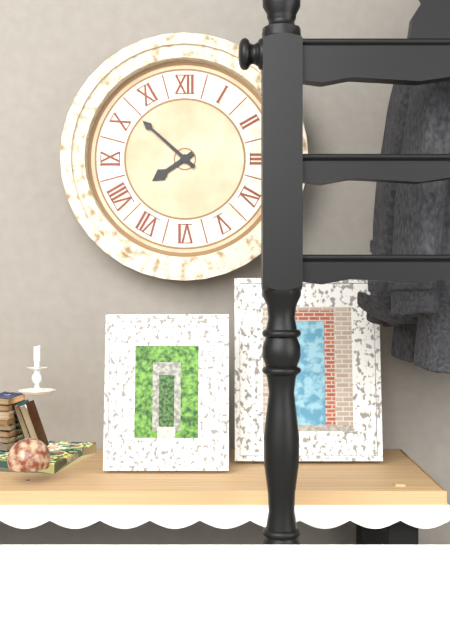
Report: 7:52
